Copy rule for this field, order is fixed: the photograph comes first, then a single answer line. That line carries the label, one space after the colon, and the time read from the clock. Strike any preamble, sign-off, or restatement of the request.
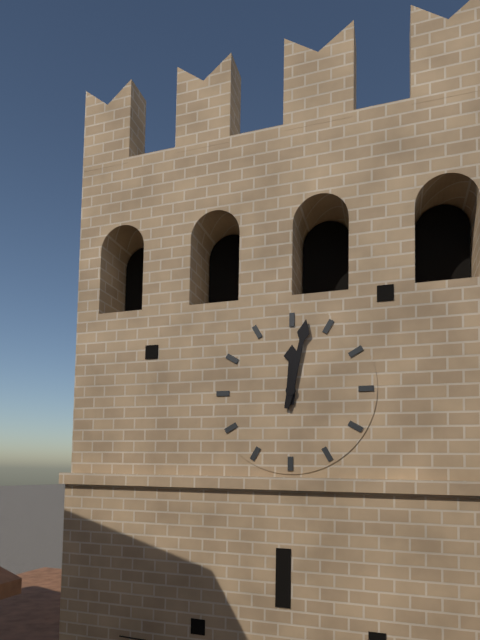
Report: 12:02
